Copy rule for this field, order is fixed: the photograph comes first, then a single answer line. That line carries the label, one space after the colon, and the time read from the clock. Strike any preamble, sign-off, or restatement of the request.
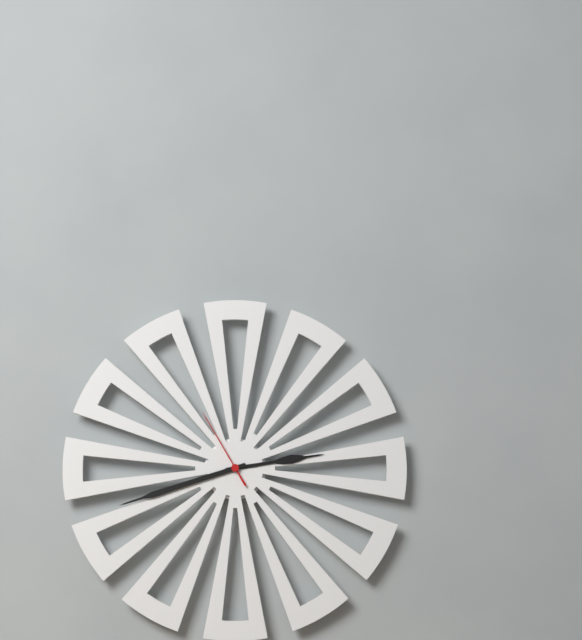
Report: 2:42:55
